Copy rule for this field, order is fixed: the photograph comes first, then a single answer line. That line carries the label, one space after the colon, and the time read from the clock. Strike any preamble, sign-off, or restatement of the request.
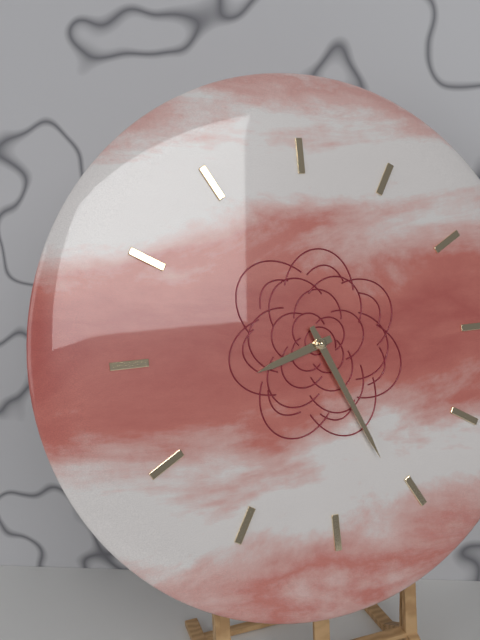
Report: 8:26
